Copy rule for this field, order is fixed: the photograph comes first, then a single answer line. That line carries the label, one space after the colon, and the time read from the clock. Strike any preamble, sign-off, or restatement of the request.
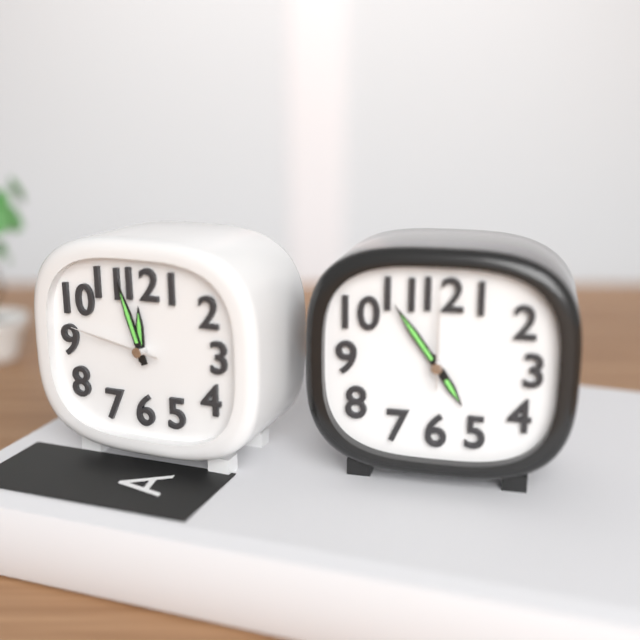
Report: 11:57:47
